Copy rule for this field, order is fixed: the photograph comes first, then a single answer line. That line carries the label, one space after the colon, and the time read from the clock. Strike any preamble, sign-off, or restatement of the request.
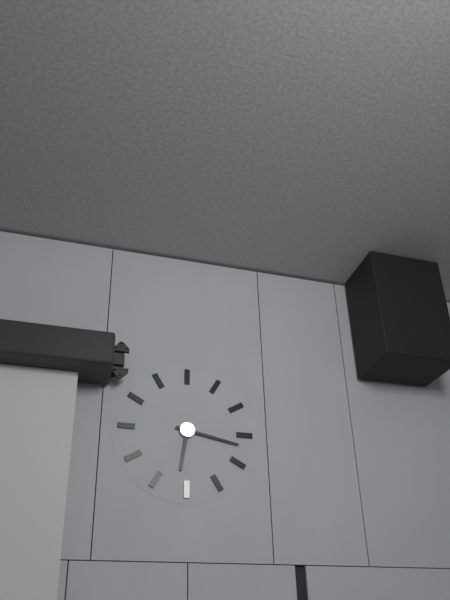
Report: 6:17
